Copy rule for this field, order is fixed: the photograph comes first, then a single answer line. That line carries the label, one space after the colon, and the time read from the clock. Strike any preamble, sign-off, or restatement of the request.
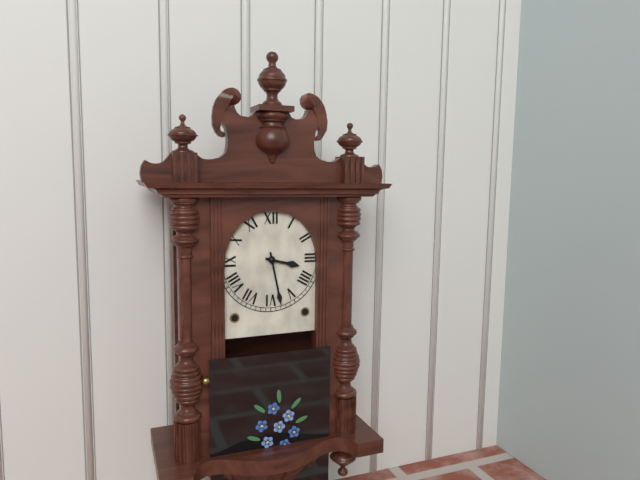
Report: 3:28
